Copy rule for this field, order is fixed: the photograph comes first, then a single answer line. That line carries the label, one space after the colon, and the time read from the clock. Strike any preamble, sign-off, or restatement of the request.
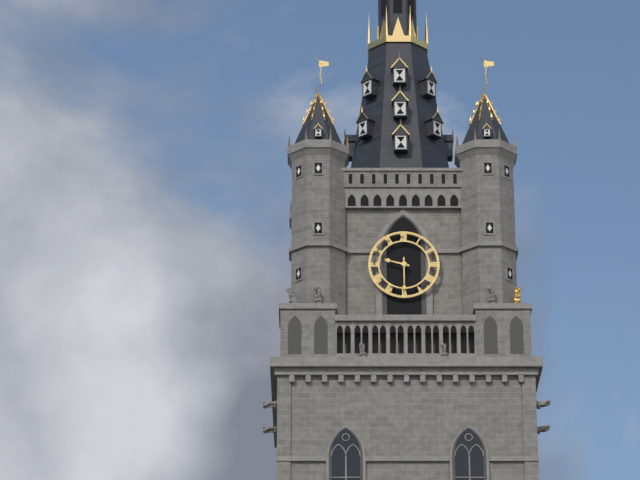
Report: 9:30
